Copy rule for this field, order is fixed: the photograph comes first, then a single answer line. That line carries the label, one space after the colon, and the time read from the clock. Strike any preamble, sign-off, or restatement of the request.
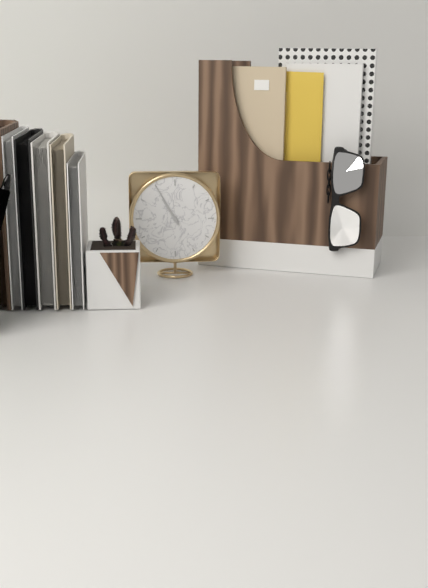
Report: 10:55
